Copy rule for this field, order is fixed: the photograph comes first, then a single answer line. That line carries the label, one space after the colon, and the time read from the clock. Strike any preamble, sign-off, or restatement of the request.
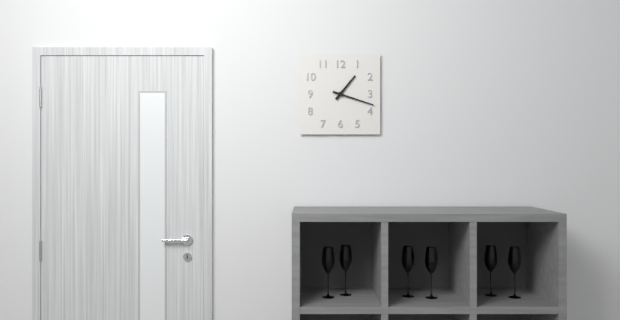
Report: 1:18
